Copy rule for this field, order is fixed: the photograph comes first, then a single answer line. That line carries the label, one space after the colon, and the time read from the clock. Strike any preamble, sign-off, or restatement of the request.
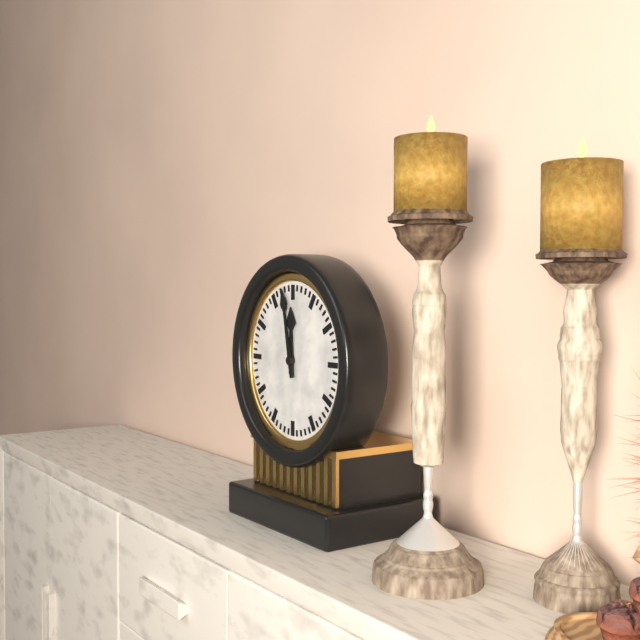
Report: 11:58
